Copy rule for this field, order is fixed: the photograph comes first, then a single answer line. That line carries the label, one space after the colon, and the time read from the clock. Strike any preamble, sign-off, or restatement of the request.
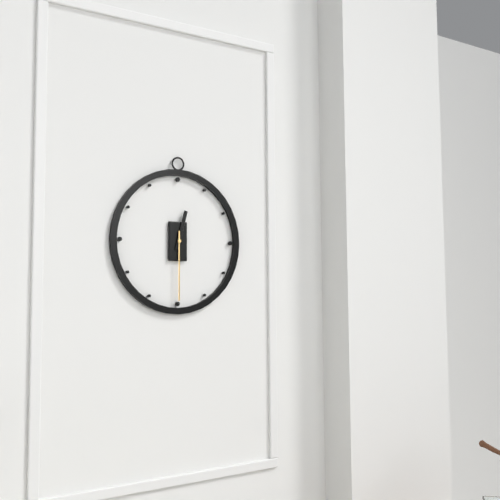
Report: 12:30
